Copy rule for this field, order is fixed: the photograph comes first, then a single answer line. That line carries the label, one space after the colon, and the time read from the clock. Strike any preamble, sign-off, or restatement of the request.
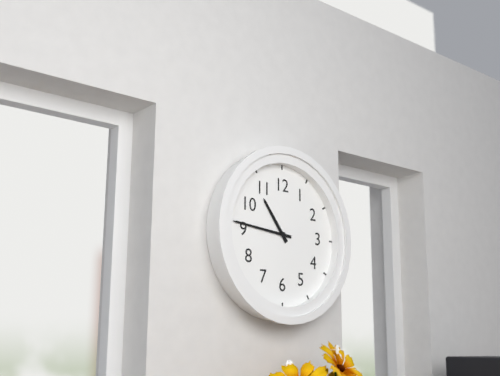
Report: 10:46
